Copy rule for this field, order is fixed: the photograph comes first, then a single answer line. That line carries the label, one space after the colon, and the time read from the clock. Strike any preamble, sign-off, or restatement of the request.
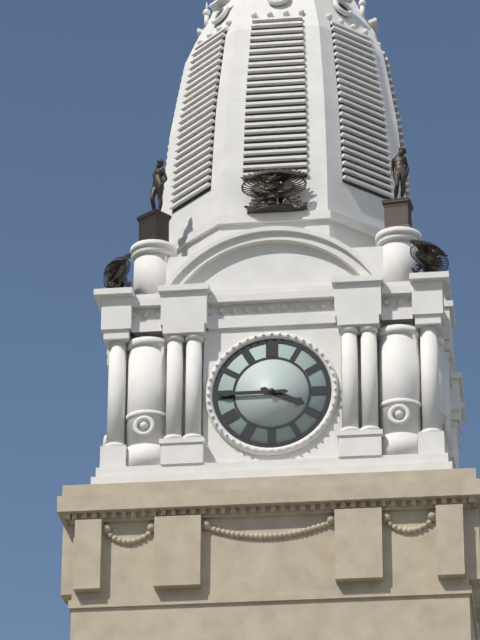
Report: 3:45
